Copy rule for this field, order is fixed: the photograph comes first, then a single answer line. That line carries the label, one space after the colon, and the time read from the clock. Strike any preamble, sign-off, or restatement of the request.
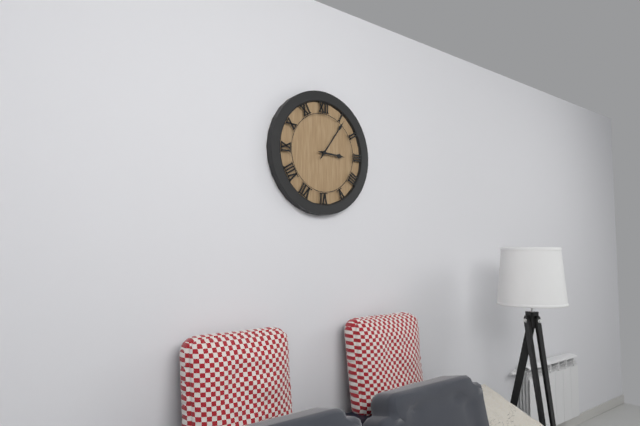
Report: 3:06
